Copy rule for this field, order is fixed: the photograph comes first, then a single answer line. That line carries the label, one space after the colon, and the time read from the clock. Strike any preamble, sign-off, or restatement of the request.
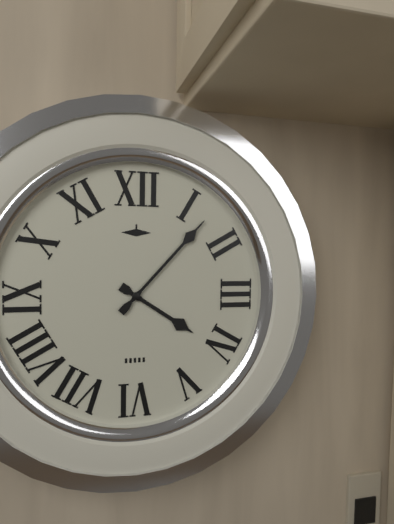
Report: 4:07
